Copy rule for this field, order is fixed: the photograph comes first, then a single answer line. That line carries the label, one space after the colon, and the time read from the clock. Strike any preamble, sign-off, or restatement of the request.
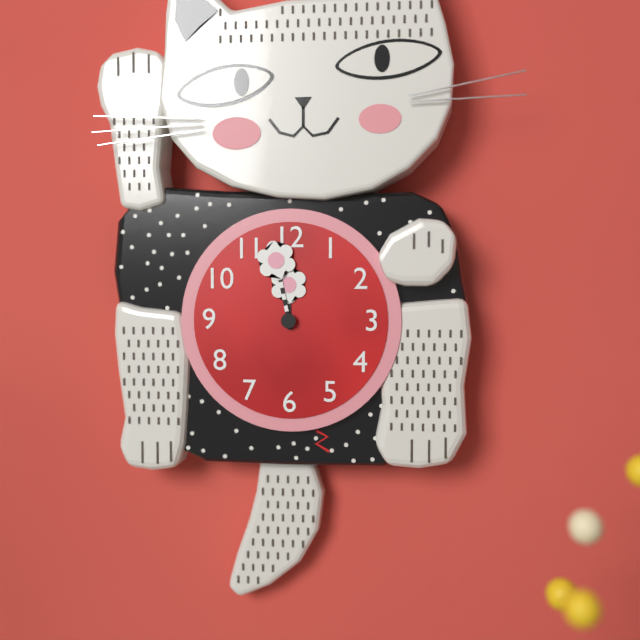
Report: 11:58
